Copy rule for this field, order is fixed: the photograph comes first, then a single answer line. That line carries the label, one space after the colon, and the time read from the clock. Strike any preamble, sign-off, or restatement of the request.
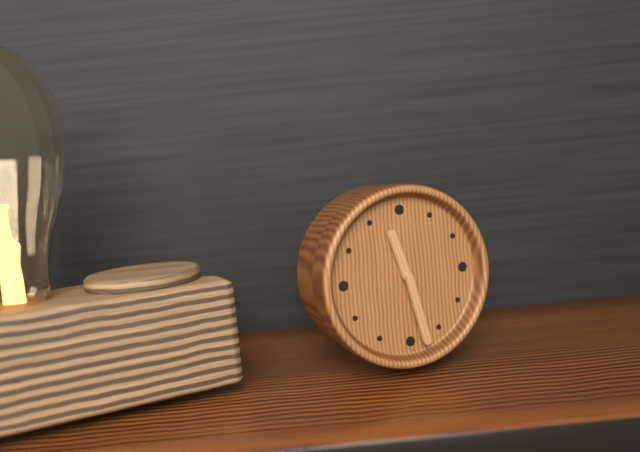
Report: 11:28
